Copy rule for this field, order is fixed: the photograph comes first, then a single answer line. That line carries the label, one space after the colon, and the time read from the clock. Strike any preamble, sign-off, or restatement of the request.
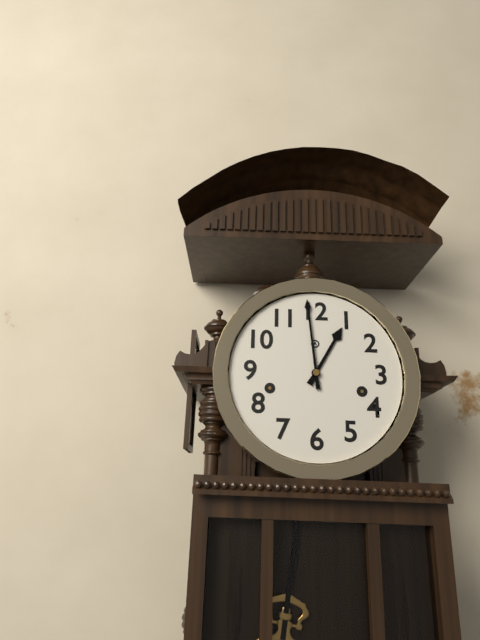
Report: 12:59
